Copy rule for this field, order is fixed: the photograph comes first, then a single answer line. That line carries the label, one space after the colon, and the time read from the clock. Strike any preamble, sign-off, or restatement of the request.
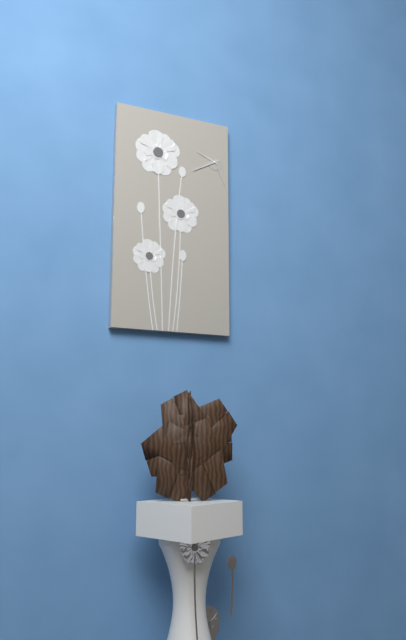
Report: 9:40
